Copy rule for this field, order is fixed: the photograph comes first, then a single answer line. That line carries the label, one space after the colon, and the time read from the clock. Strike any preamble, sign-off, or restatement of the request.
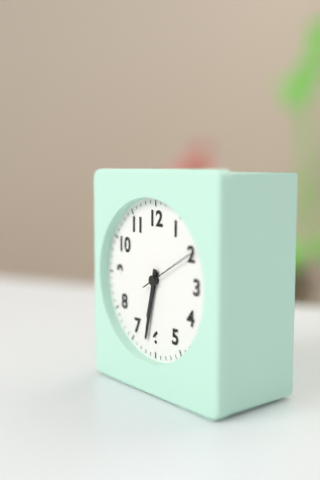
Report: 6:32:10
